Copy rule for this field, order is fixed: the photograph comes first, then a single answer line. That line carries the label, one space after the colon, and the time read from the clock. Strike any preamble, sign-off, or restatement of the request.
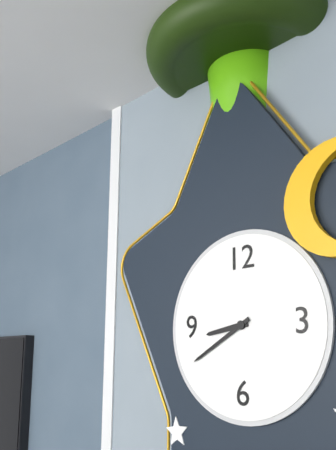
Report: 8:40
